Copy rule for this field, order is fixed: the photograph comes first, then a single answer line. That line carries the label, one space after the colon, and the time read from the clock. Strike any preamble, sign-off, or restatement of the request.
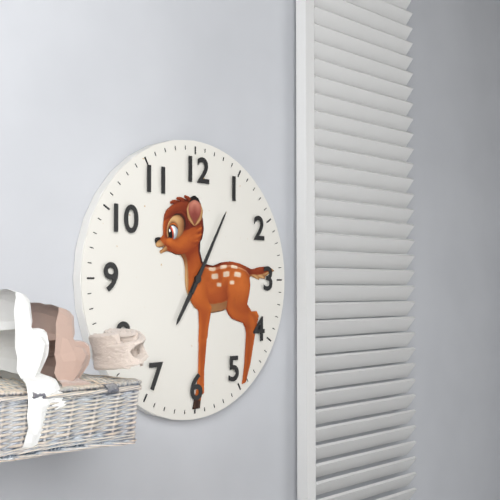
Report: 7:05
